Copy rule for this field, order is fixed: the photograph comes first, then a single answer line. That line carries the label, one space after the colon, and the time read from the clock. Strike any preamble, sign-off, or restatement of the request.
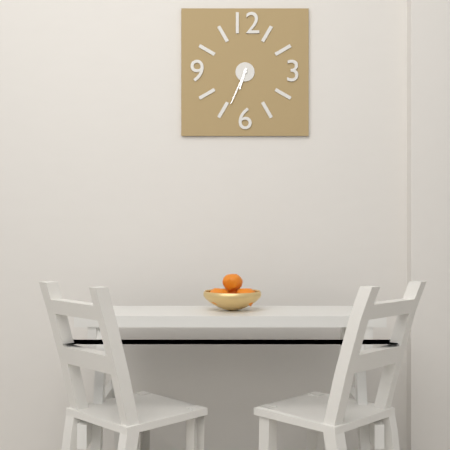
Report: 6:34
